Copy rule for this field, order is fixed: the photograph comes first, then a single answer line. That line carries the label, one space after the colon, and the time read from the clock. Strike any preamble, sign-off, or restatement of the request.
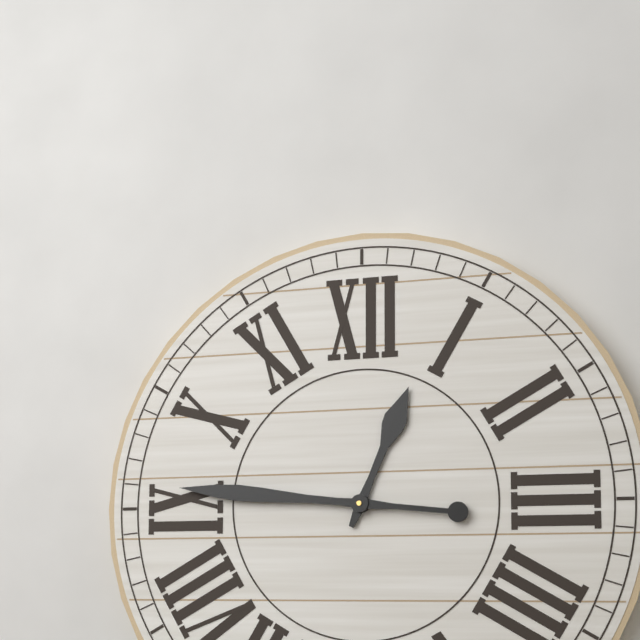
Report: 12:46
